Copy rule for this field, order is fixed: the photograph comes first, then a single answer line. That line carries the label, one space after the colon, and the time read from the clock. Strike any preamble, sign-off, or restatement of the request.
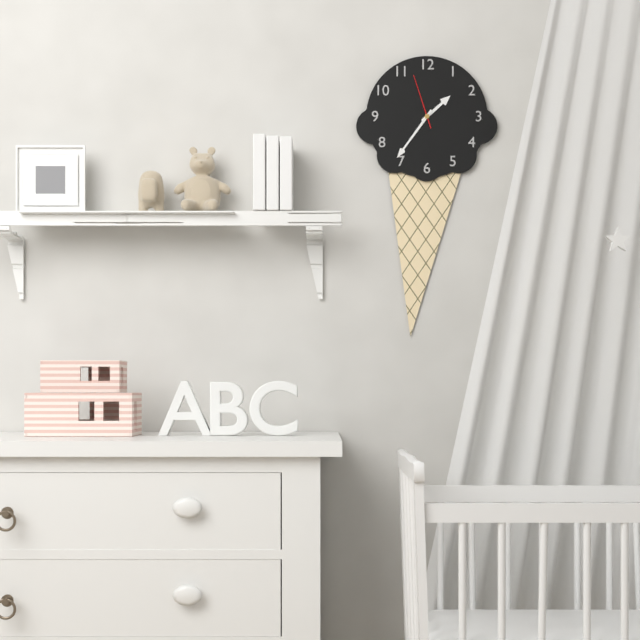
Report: 1:36:57
